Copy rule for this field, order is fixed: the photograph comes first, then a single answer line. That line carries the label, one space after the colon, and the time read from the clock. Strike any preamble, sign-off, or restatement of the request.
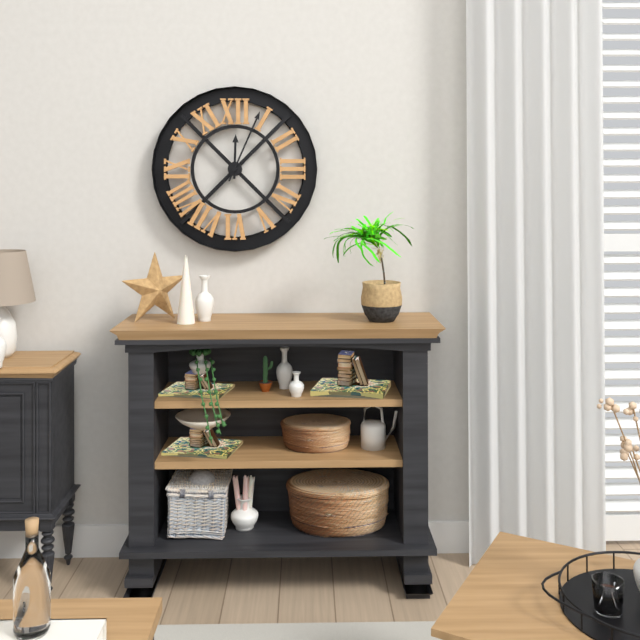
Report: 12:04
